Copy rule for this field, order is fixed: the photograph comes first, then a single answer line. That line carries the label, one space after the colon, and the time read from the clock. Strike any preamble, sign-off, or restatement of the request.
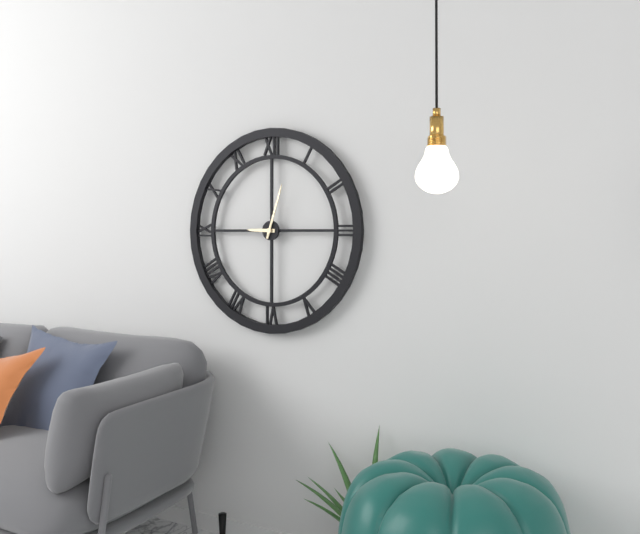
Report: 9:03
